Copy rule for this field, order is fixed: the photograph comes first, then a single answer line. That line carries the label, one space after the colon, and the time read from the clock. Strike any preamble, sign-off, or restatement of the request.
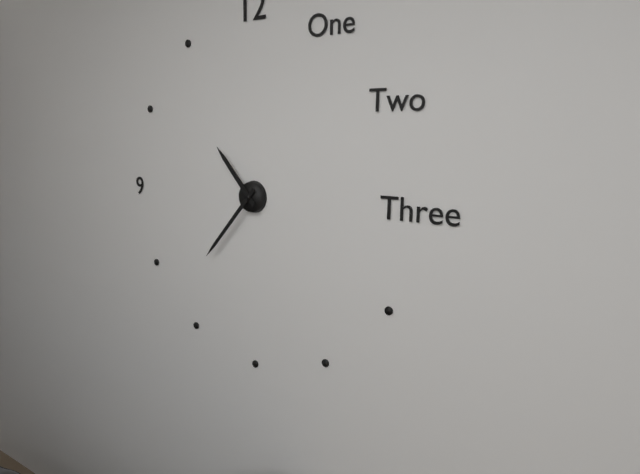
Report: 10:37
